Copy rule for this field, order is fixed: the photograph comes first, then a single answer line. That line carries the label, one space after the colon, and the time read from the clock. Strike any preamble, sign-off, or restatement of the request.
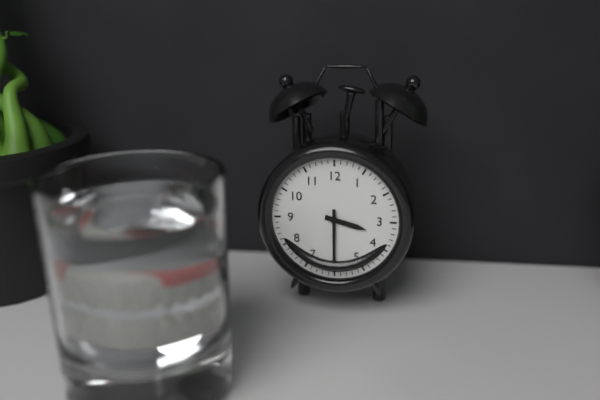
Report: 3:30
